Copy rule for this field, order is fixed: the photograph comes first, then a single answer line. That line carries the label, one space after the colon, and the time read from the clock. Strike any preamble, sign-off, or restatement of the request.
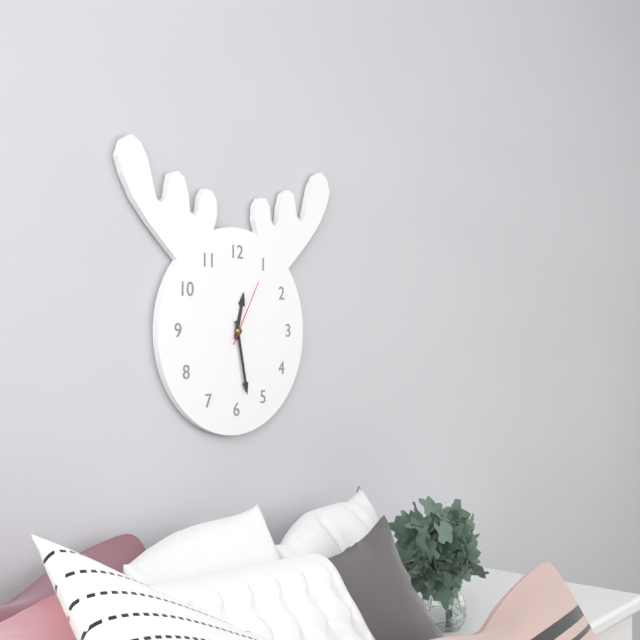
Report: 12:28:05
